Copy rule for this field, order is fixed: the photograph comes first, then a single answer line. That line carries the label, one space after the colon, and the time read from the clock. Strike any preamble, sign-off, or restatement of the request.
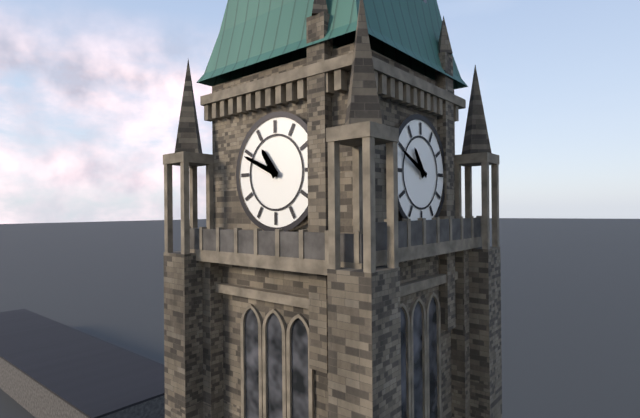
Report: 10:49
